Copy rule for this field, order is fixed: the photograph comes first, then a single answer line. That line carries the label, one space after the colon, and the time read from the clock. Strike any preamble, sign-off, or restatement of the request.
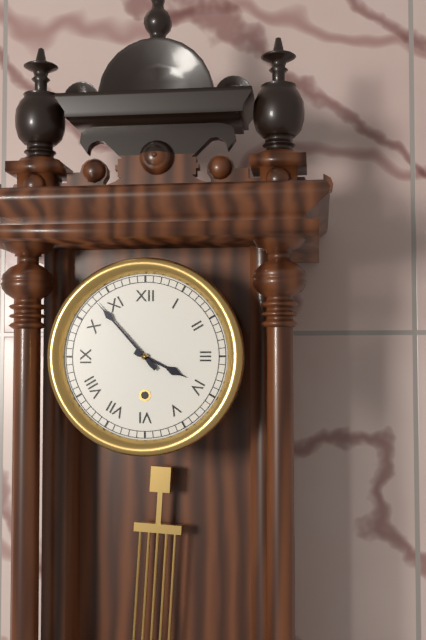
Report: 3:53
